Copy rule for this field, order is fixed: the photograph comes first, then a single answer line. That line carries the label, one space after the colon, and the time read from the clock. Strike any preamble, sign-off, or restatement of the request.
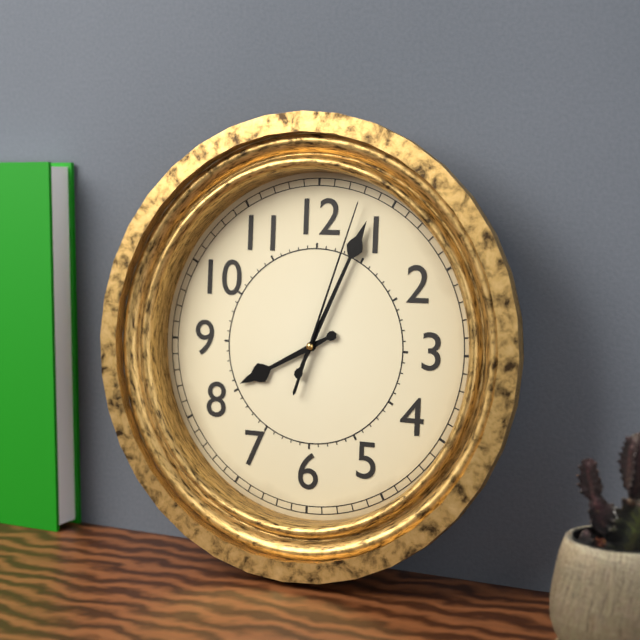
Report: 8:04:03
